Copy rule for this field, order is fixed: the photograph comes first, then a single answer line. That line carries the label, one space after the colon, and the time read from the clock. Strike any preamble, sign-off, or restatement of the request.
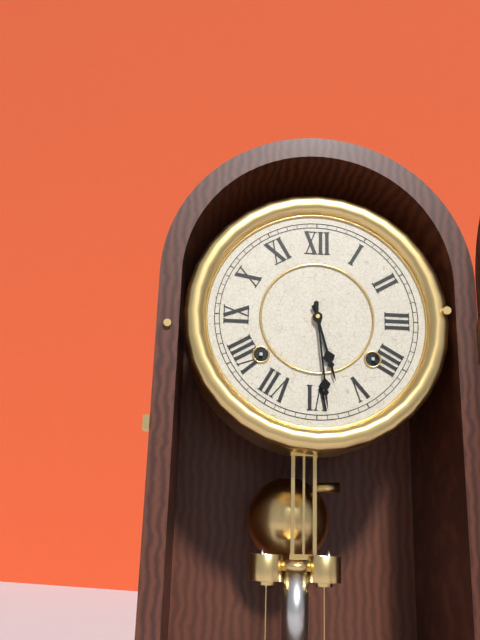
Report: 5:29
